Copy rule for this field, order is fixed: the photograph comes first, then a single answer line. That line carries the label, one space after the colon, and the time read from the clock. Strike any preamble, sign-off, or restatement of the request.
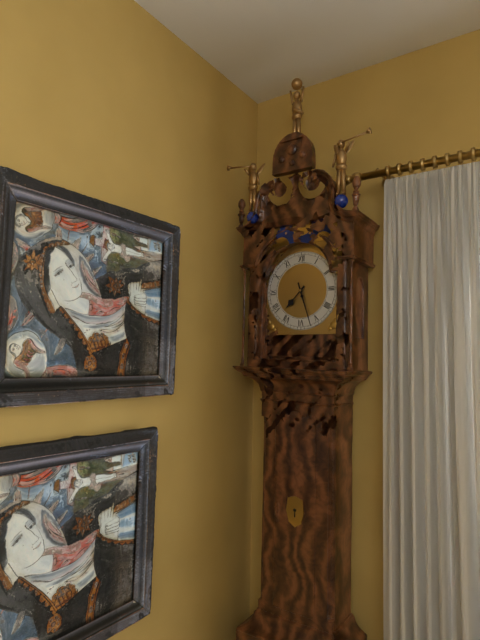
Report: 7:27
